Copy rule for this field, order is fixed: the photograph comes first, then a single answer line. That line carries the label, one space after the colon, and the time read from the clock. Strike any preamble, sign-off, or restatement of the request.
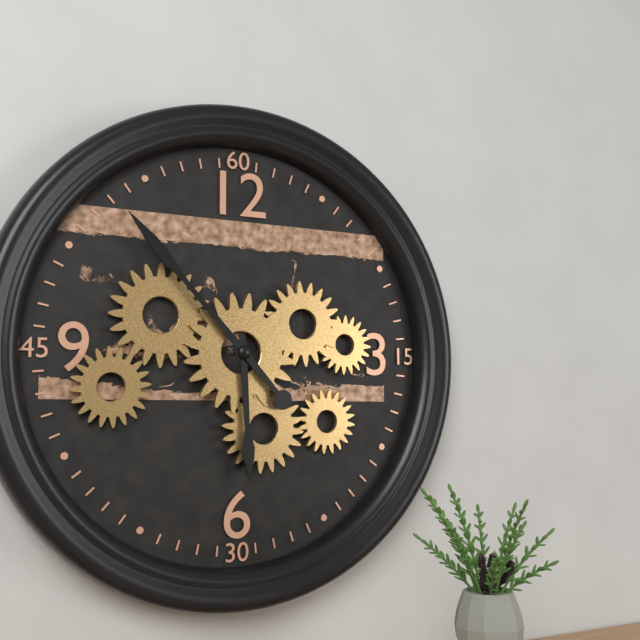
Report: 5:53
